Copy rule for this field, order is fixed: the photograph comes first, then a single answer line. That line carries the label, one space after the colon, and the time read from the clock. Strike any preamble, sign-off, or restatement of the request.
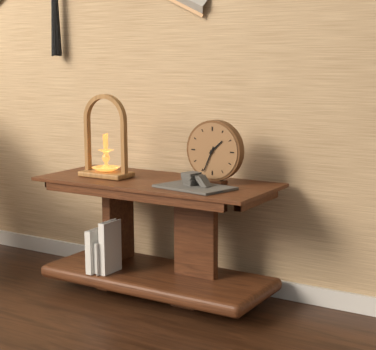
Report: 1:34
